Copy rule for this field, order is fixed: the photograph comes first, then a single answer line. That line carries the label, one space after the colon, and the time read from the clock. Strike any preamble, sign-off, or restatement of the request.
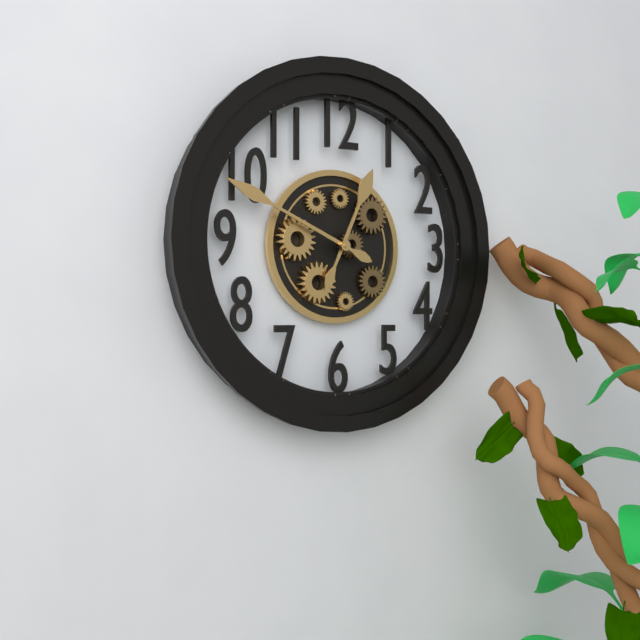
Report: 12:49
